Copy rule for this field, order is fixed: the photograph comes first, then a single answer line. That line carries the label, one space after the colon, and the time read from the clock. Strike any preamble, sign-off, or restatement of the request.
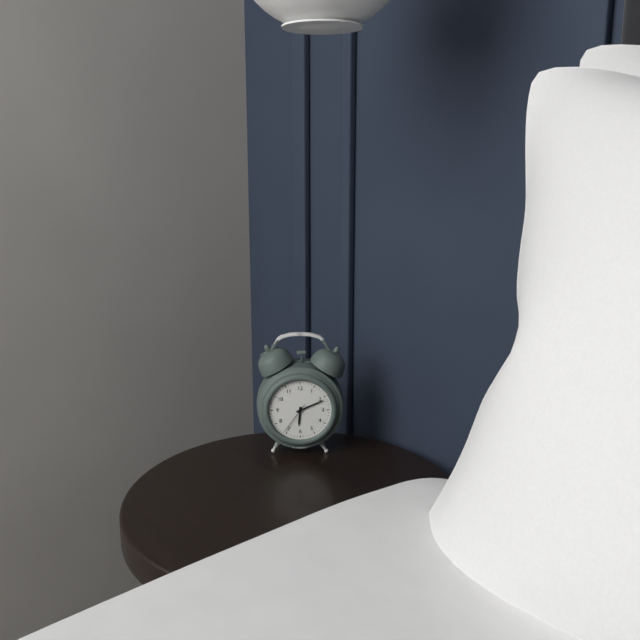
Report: 6:11
